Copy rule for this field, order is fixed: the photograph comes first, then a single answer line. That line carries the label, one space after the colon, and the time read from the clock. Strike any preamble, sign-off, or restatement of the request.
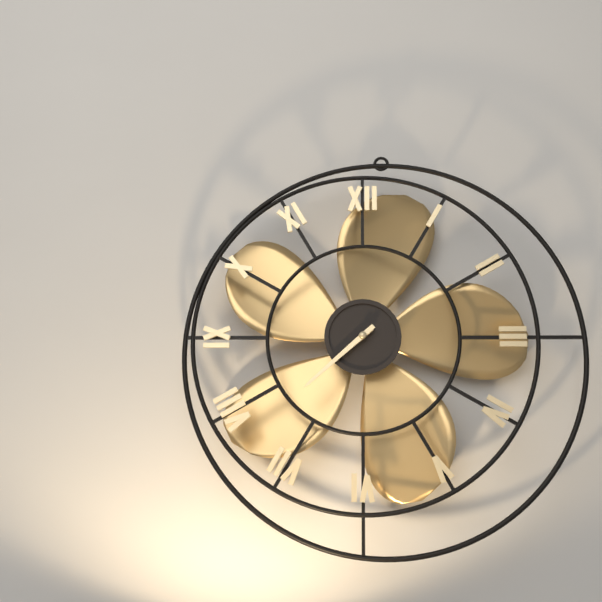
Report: 7:38
